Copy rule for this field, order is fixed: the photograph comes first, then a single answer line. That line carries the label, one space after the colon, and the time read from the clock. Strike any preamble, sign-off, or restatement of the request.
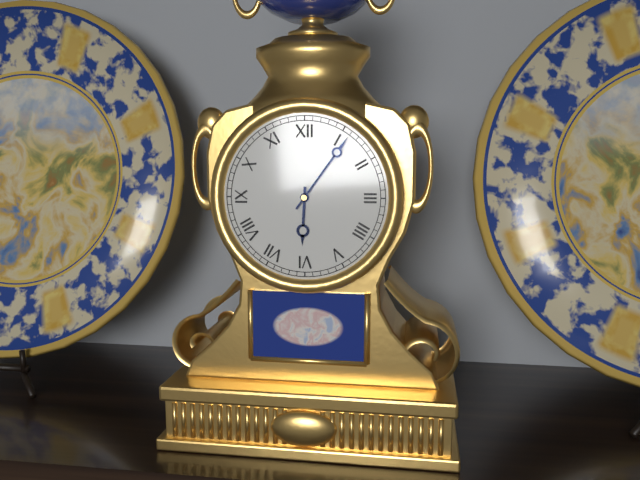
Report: 6:06
